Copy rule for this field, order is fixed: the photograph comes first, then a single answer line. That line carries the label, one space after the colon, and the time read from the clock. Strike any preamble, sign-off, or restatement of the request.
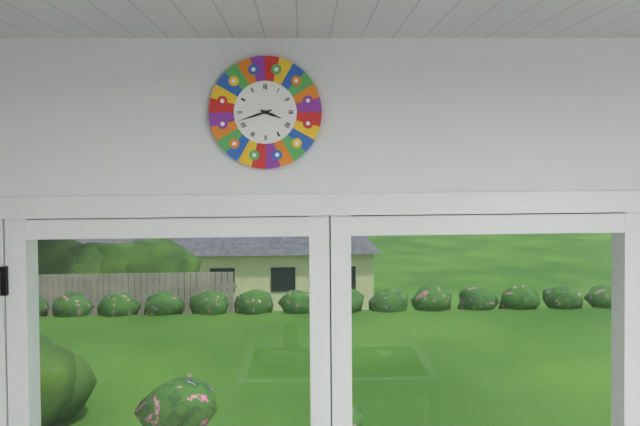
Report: 3:42
